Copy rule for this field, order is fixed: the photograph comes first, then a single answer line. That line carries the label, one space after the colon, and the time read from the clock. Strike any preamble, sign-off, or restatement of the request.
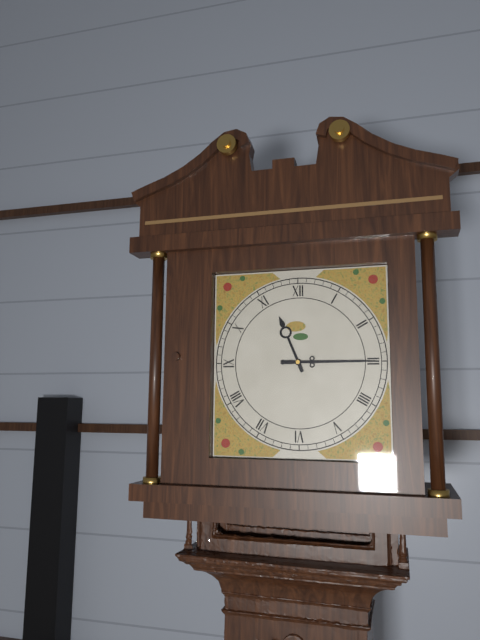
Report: 11:15
